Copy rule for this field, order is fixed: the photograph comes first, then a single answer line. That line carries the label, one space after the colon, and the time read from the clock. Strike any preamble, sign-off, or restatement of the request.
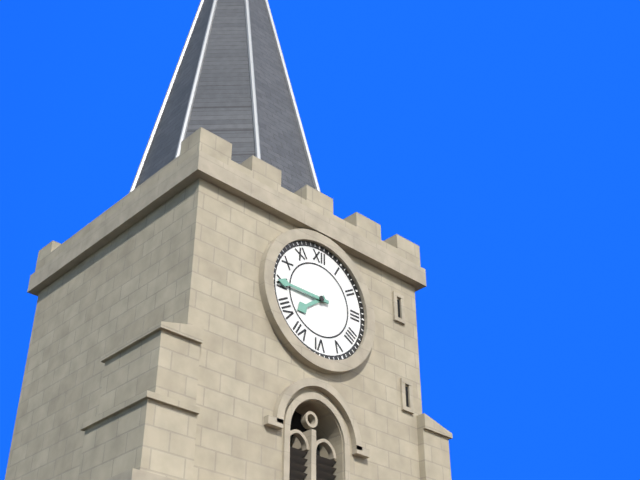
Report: 7:45
